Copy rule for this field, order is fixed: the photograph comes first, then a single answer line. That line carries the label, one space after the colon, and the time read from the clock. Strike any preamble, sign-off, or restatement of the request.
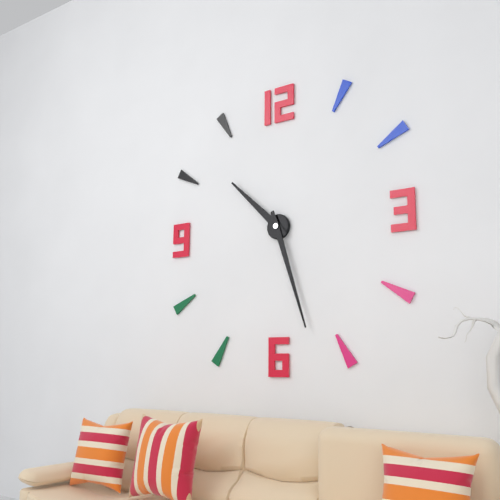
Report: 10:27
